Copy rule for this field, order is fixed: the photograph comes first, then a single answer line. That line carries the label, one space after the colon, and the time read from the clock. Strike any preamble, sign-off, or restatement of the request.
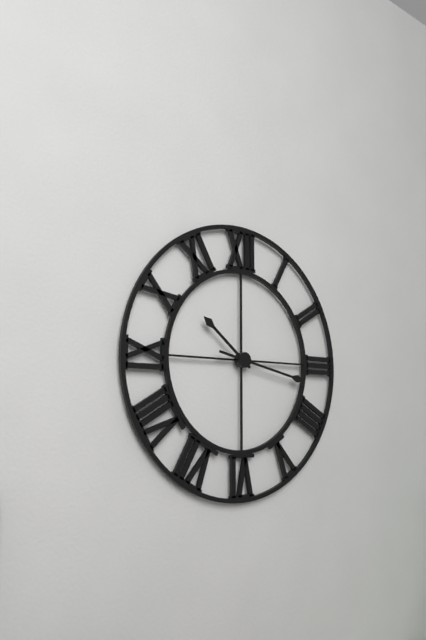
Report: 10:17
